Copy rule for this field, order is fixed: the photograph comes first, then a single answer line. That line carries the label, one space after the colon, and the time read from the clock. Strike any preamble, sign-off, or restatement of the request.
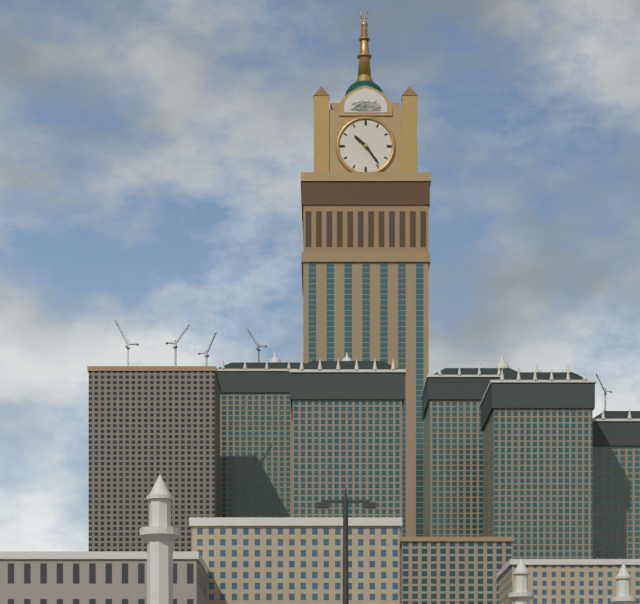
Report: 10:24
